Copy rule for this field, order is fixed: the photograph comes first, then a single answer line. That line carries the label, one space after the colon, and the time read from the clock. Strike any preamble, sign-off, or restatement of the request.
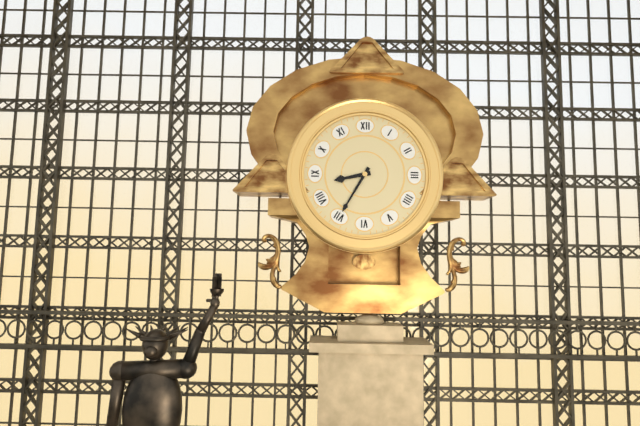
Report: 8:35
